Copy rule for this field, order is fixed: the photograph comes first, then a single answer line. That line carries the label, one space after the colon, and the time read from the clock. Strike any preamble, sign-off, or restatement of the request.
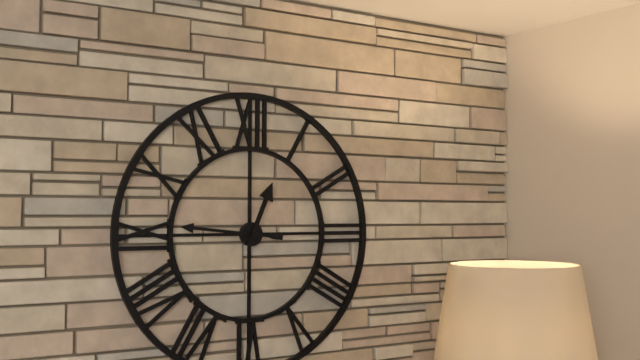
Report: 12:46
